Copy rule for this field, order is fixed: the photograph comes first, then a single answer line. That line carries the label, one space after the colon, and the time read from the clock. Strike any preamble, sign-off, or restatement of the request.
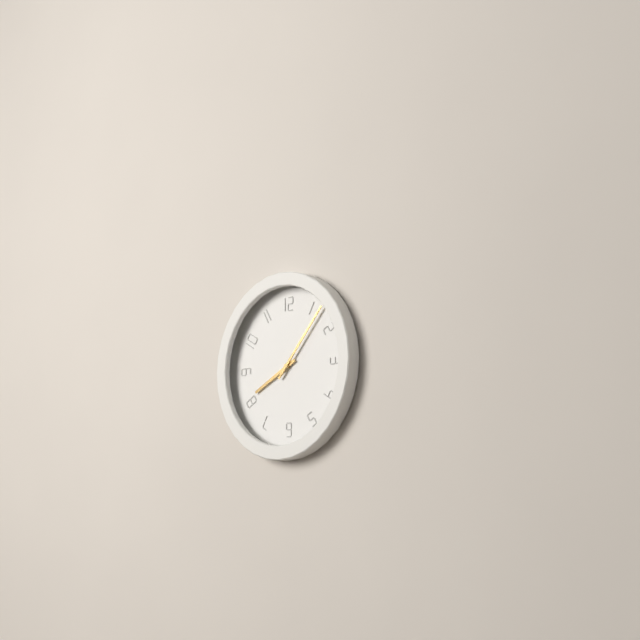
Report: 8:07
